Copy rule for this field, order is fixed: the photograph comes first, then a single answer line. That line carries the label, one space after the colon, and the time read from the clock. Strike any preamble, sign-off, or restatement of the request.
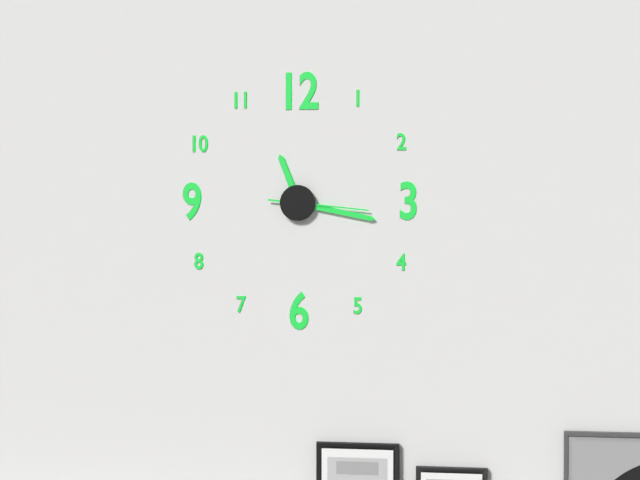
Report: 11:17:16
